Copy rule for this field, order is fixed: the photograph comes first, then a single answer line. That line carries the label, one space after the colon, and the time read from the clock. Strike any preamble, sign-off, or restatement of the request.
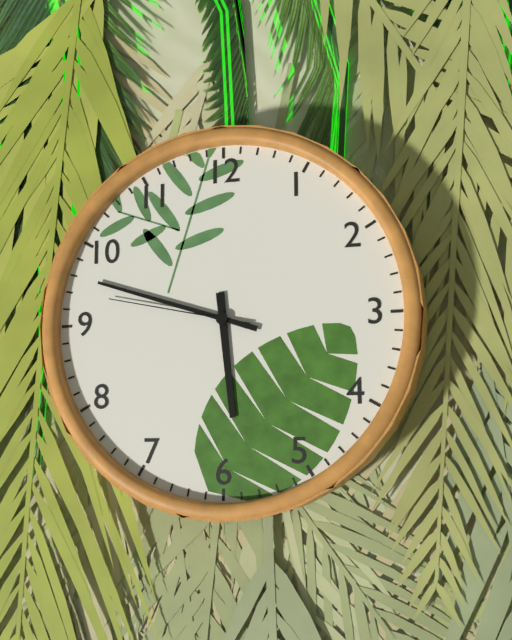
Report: 5:48:47
